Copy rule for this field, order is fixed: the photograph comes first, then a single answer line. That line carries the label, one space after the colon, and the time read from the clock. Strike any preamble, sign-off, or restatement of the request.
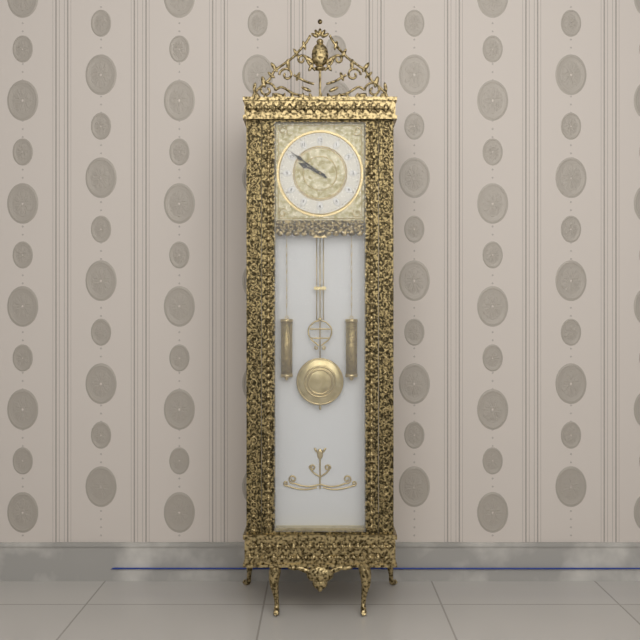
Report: 9:51
